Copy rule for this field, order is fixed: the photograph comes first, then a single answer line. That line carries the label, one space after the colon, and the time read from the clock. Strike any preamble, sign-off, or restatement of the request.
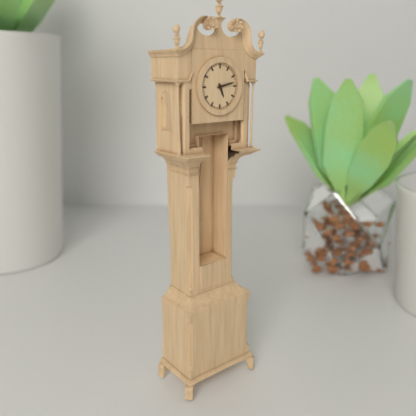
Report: 5:13
